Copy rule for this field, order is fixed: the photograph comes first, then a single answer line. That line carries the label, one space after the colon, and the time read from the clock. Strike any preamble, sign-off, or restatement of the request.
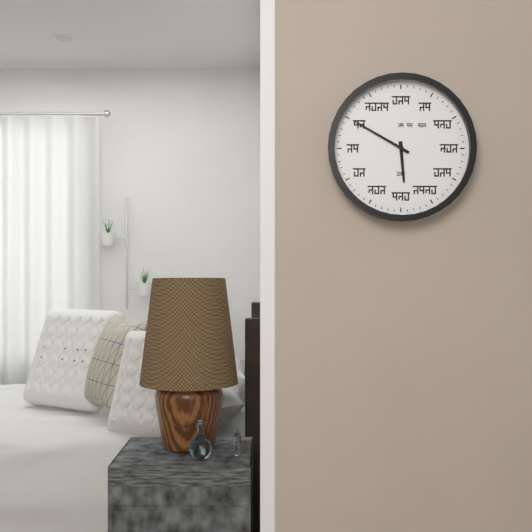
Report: 5:50
